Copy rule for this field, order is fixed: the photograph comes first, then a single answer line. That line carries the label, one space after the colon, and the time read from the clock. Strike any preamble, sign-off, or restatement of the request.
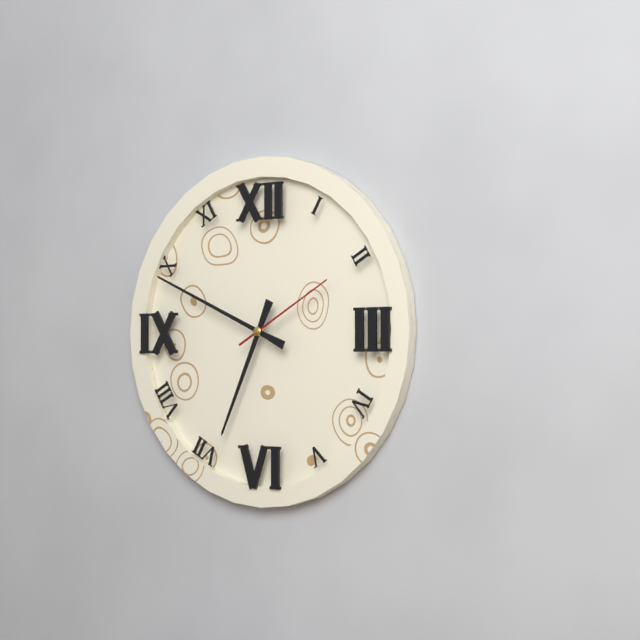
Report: 6:49:10
